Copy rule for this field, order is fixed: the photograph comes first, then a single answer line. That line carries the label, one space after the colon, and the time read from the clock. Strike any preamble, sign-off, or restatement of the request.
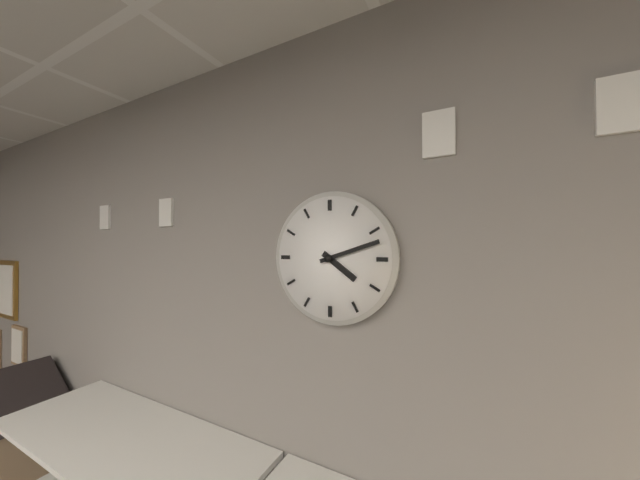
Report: 4:12
